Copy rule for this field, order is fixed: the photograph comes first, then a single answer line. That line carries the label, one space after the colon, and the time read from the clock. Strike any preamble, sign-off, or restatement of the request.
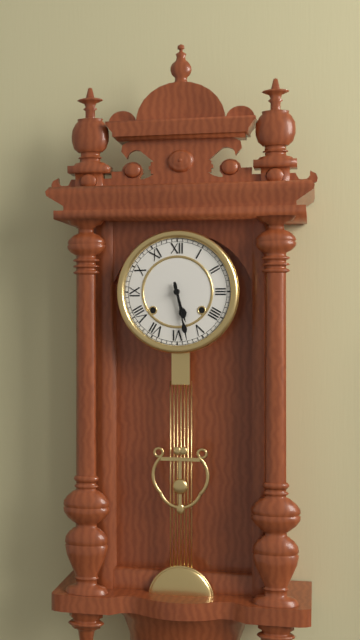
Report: 5:28
